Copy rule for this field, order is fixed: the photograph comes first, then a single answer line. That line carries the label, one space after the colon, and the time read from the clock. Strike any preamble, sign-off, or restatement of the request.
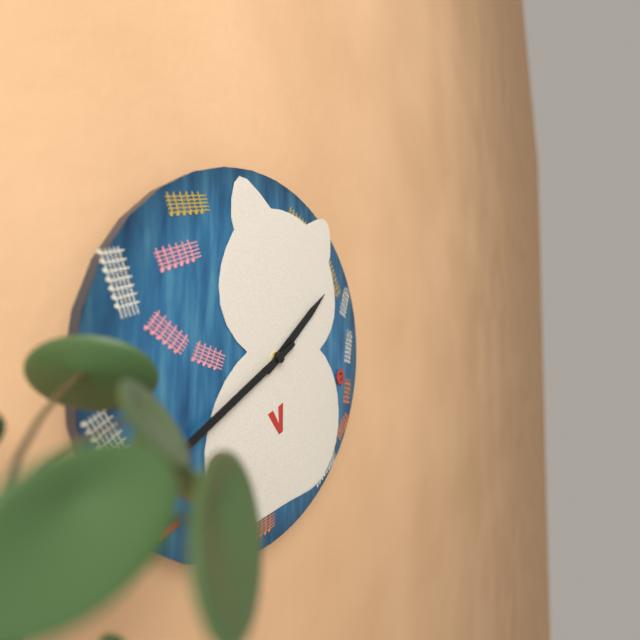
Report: 1:40
